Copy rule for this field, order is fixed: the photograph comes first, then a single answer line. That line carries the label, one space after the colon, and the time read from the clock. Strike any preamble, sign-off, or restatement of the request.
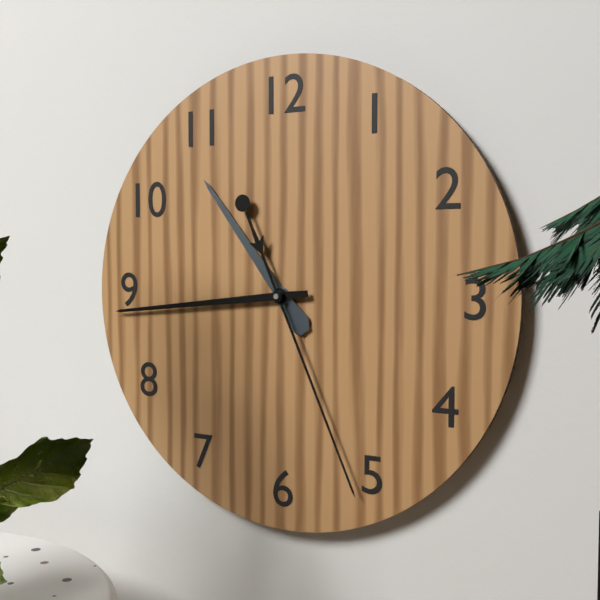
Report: 10:44:26
